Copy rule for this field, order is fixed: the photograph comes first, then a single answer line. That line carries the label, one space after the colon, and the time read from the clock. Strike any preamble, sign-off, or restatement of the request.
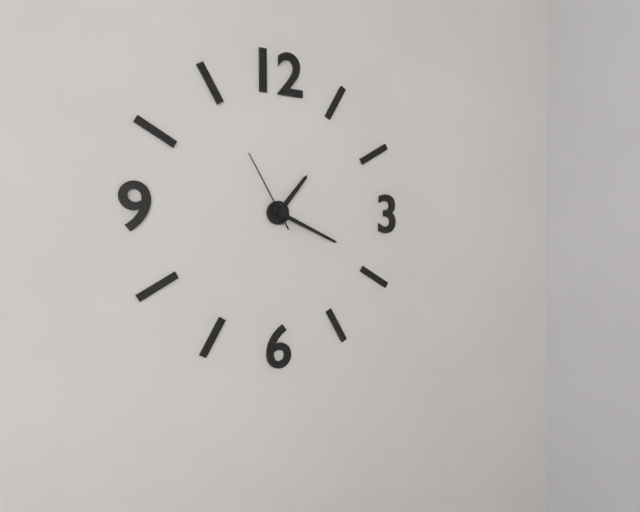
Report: 1:19:55
